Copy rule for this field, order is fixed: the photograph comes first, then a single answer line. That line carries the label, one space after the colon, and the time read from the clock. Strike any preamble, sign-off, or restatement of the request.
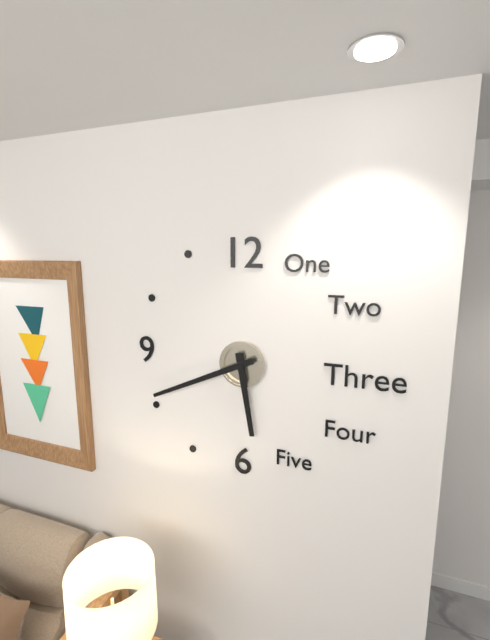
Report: 5:41
